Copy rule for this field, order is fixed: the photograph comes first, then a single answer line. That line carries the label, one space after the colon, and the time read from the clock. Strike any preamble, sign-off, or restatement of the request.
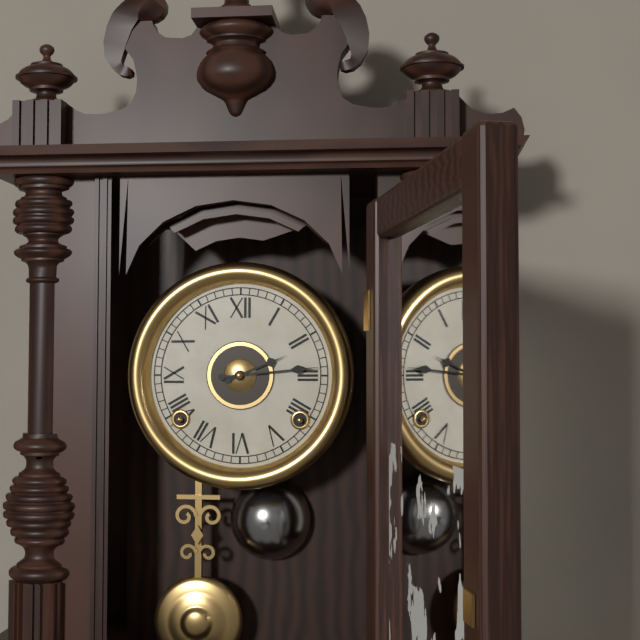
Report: 2:14
